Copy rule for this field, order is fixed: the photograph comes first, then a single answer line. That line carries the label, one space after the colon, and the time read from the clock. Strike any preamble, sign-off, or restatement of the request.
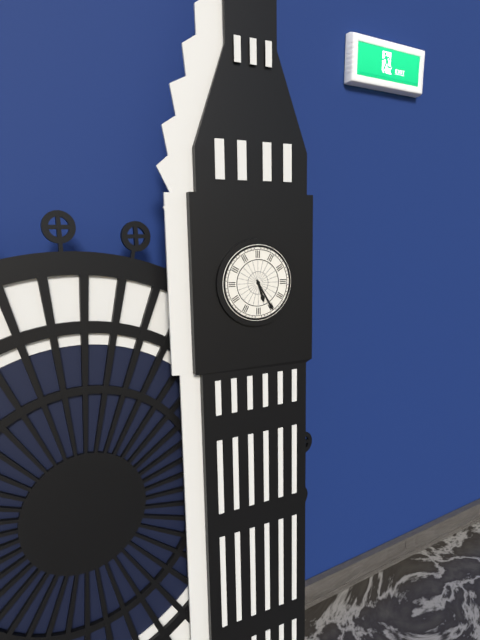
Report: 5:25
